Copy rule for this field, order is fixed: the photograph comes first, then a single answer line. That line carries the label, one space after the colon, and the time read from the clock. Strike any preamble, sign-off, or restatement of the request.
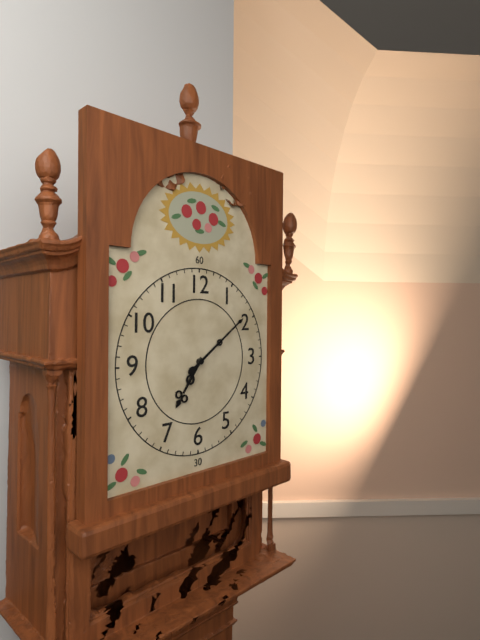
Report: 7:09
